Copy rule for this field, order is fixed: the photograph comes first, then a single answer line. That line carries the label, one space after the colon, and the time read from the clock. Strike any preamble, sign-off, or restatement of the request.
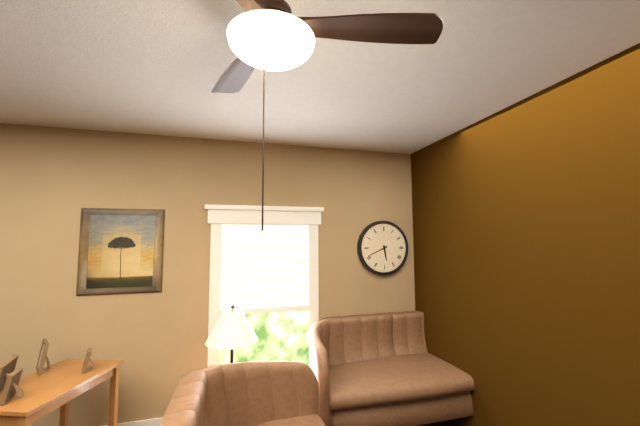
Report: 5:41
